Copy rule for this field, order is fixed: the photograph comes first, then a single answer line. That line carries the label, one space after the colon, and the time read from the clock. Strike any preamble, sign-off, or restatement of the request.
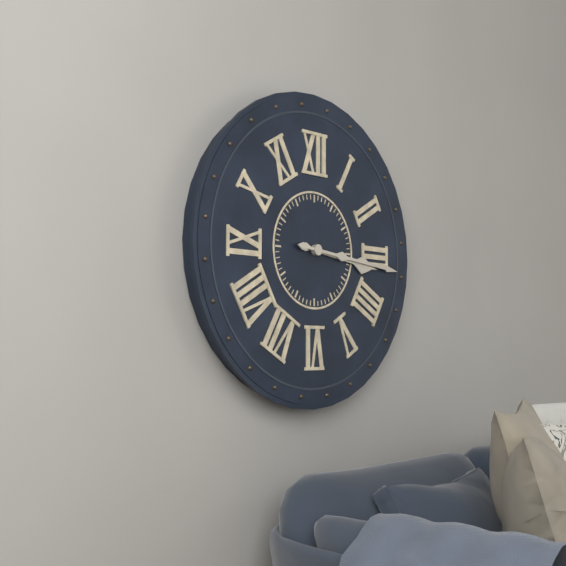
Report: 3:16
